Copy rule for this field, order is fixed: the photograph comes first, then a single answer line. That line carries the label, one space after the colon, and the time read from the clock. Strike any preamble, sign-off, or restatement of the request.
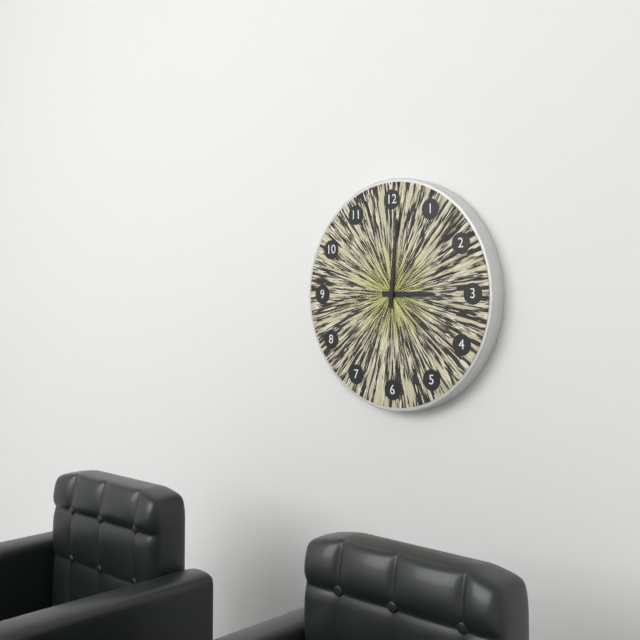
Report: 3:01
